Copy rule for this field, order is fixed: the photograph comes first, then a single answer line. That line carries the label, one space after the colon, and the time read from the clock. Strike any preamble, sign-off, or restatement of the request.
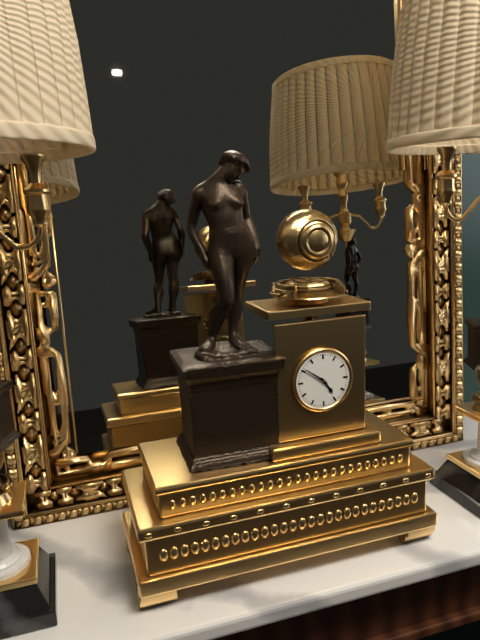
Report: 4:51
